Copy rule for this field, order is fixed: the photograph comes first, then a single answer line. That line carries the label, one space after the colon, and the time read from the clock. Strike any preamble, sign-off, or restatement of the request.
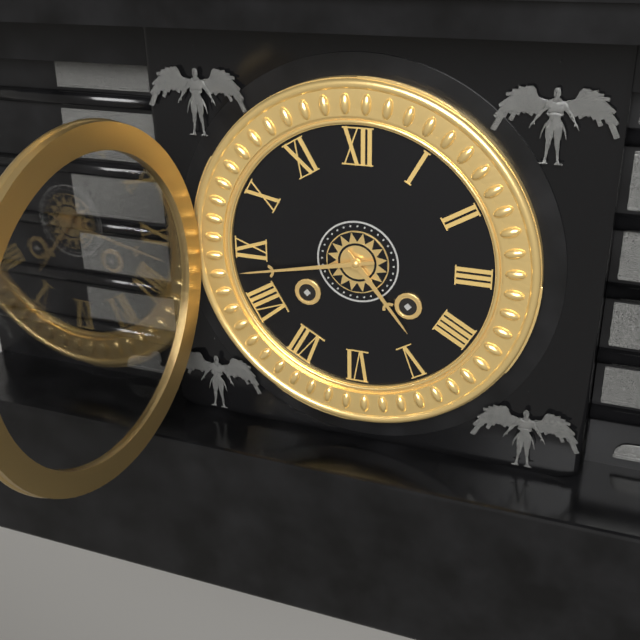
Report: 4:43
